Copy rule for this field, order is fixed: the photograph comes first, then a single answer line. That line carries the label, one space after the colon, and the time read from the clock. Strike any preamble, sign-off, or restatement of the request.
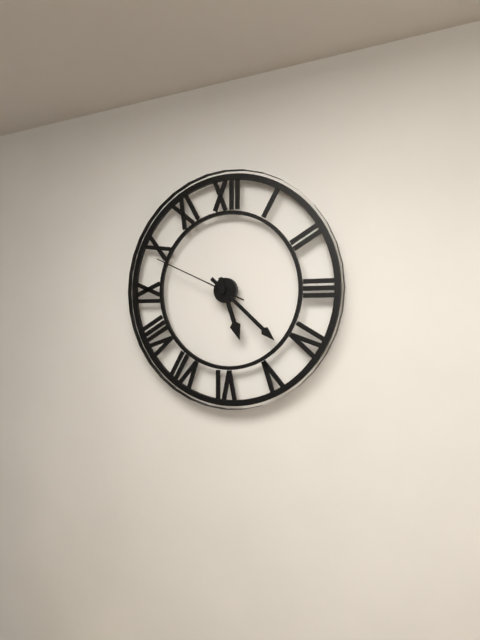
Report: 5:22:49
